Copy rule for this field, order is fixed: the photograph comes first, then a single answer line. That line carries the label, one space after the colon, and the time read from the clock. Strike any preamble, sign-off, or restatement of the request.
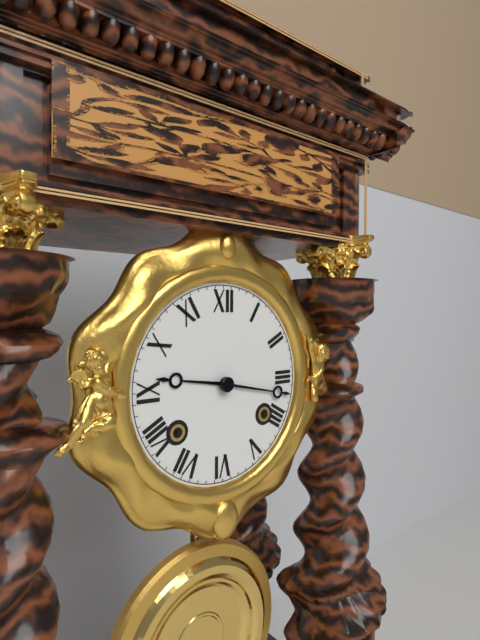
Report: 9:17
